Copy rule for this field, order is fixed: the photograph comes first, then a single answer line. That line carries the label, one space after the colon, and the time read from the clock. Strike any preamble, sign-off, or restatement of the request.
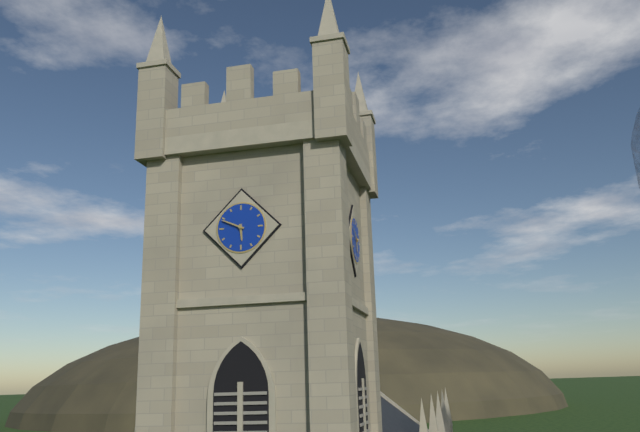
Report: 5:49
